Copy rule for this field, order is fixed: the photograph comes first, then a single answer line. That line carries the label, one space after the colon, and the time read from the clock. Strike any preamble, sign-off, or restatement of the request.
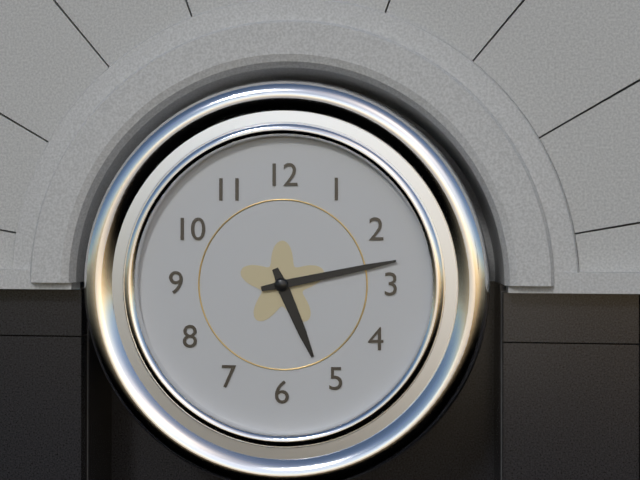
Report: 5:13
